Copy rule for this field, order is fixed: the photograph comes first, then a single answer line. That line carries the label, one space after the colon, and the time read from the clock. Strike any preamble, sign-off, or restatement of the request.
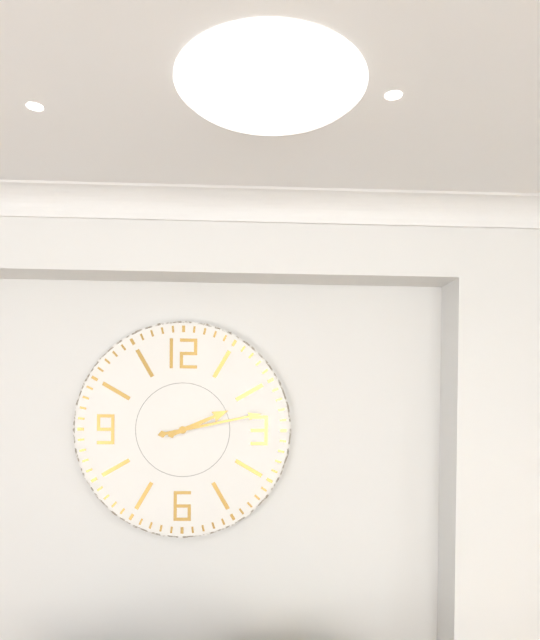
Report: 2:13
